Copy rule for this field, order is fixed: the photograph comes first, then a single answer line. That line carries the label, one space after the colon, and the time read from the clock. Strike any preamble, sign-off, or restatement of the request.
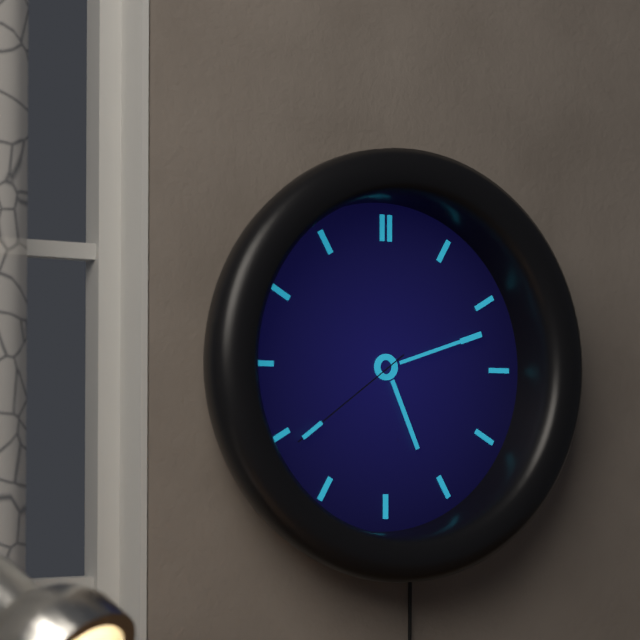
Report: 5:12:39
